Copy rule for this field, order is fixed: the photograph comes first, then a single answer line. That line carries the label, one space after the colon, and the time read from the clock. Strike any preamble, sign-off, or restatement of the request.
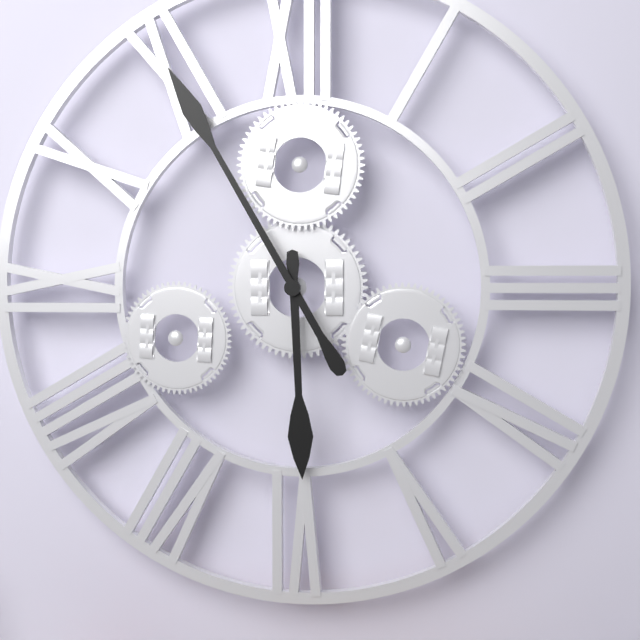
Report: 5:55
